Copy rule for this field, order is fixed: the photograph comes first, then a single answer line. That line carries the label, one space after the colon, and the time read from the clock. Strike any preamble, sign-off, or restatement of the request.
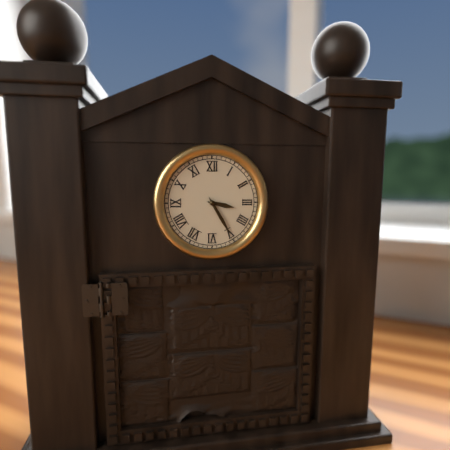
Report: 3:25
